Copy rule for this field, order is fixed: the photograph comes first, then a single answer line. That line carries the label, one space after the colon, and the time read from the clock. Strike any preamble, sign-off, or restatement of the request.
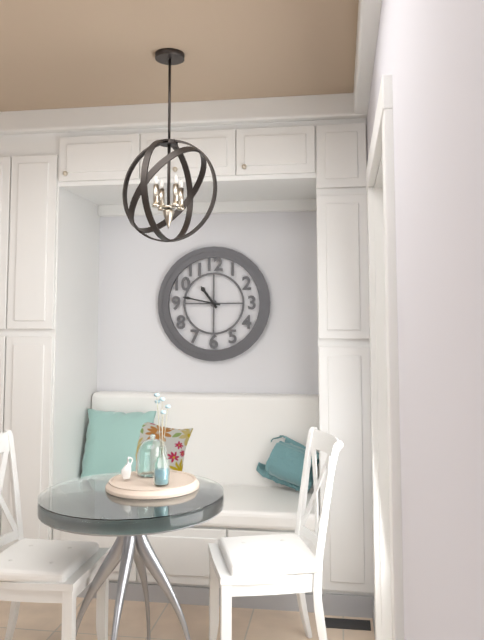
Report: 10:47
